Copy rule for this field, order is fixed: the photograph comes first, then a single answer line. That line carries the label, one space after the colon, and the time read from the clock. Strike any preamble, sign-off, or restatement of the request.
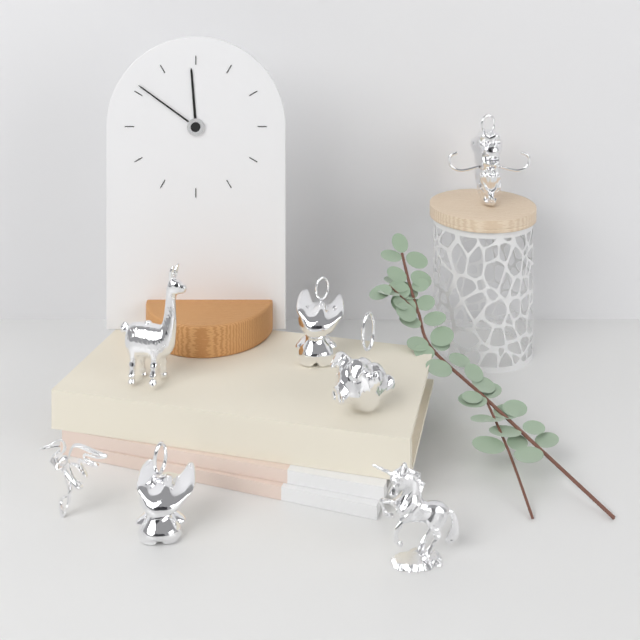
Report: 11:51
